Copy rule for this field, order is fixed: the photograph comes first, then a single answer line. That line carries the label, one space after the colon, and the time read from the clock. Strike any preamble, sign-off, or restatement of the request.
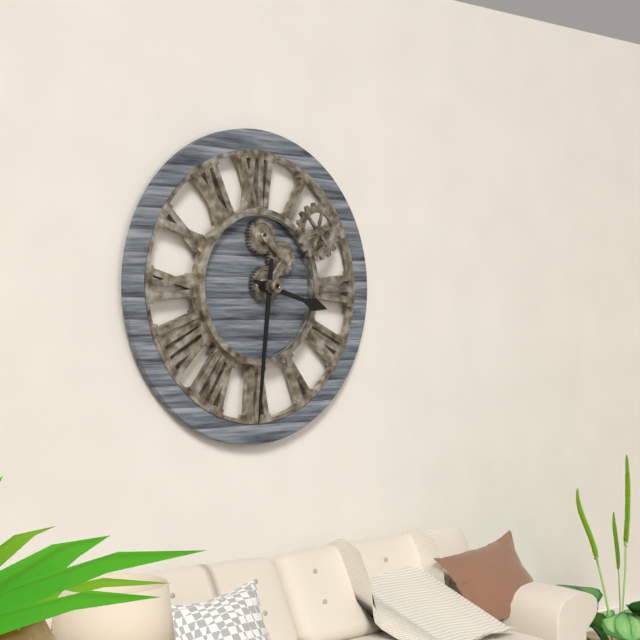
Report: 3:31
